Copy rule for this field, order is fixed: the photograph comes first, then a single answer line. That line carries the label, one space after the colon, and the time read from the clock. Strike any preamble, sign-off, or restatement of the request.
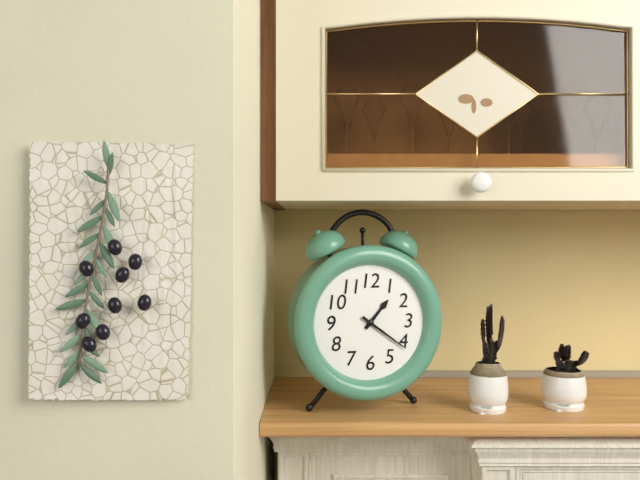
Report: 1:21
